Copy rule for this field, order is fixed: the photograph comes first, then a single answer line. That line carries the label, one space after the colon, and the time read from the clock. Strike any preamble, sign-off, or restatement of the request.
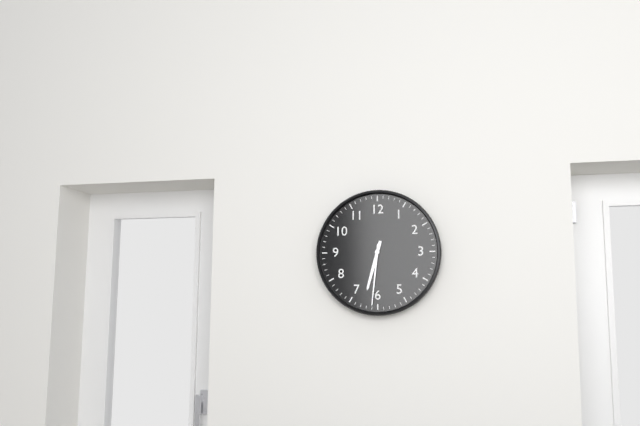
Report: 6:31
